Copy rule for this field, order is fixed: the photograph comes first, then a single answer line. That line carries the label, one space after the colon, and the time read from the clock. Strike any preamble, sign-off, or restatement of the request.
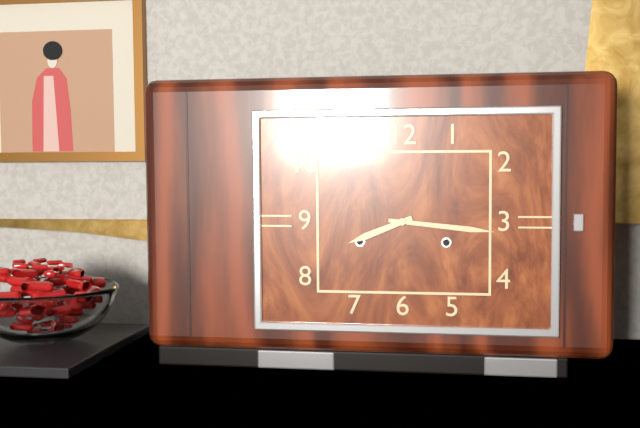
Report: 8:16
